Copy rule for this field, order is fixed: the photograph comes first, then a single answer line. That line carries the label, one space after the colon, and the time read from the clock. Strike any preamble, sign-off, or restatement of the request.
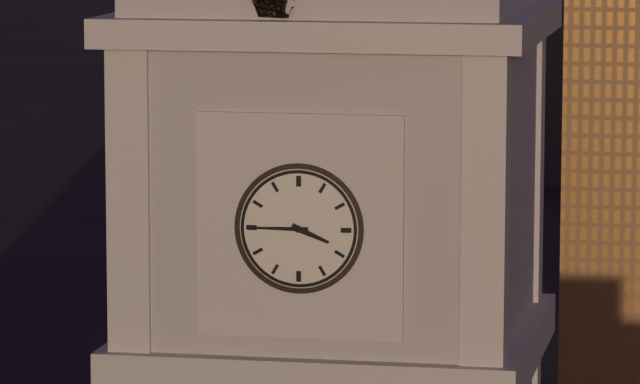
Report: 3:45
